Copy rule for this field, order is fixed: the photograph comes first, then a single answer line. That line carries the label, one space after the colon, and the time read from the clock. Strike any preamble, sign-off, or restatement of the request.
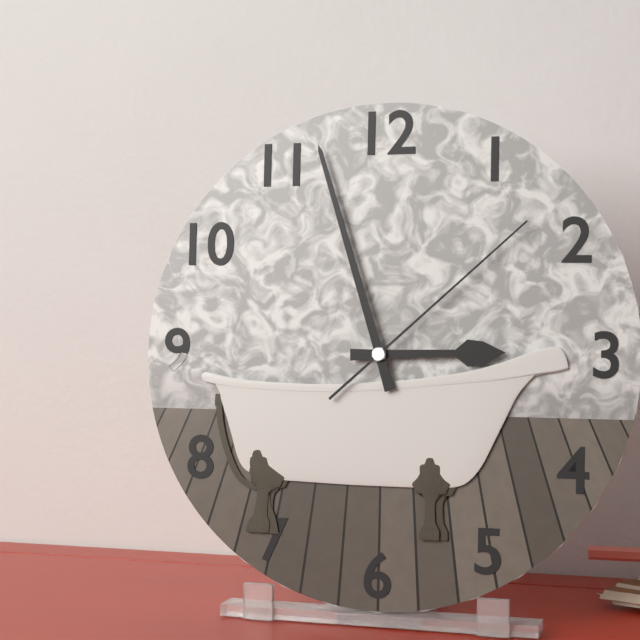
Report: 2:57:08
